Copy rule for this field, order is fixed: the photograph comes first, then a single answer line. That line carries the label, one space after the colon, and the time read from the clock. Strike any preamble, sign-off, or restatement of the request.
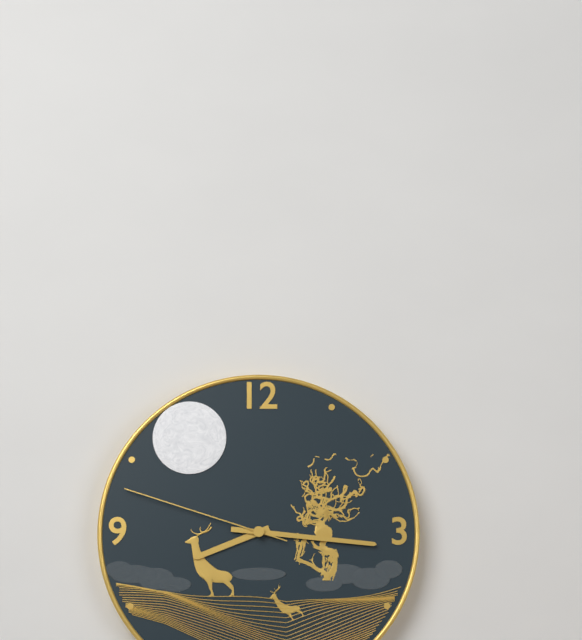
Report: 8:16:48
